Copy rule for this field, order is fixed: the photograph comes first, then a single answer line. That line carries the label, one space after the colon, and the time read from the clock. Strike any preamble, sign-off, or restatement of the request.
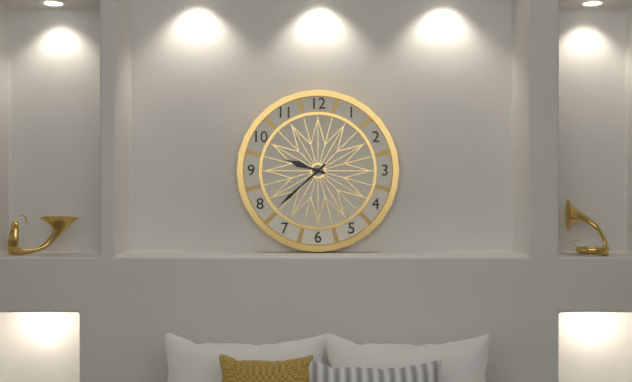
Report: 9:38
